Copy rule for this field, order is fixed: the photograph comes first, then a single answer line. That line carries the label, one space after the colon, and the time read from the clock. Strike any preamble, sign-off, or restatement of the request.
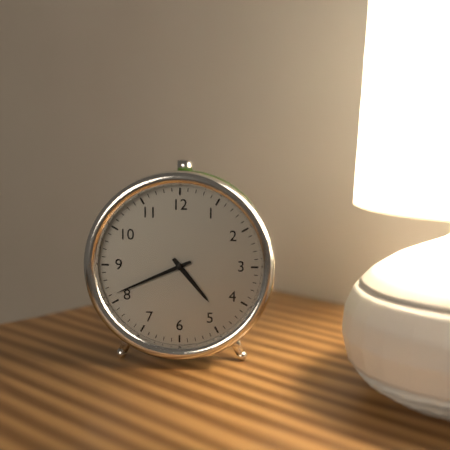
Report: 4:41
